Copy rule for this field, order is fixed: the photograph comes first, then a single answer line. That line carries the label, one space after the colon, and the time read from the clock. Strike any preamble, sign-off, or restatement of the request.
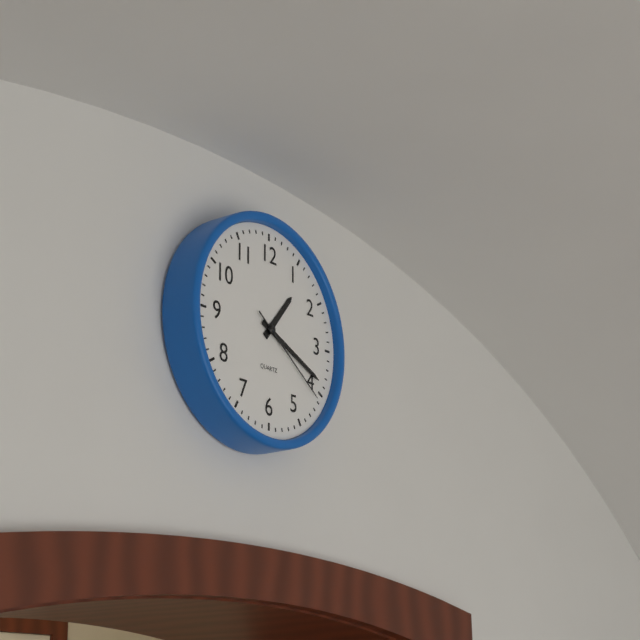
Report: 1:19:21
